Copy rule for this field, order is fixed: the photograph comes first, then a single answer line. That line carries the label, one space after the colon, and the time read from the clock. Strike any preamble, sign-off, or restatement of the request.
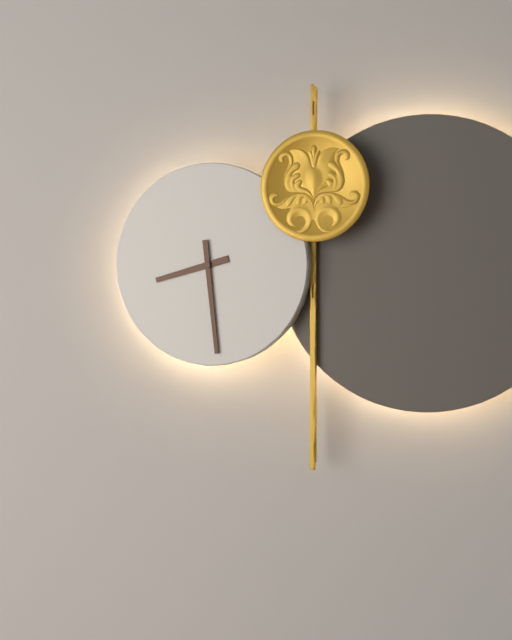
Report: 8:29
